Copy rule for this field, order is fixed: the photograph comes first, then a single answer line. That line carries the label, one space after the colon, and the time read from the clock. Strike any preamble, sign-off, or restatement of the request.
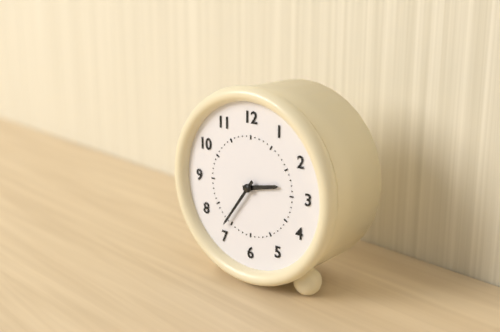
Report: 2:36
